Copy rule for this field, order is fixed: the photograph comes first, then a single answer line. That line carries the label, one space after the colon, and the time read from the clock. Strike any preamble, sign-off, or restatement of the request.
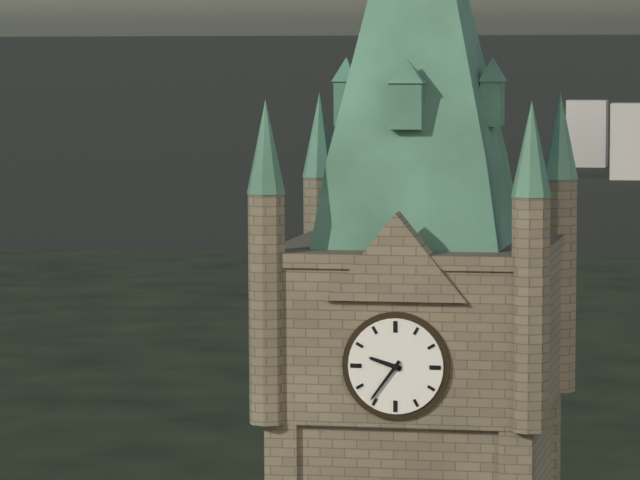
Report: 9:36
